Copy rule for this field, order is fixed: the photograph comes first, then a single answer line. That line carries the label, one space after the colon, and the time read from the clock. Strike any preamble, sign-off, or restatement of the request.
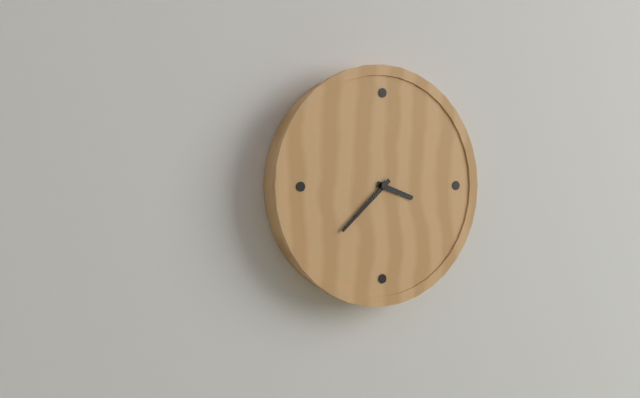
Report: 3:38
